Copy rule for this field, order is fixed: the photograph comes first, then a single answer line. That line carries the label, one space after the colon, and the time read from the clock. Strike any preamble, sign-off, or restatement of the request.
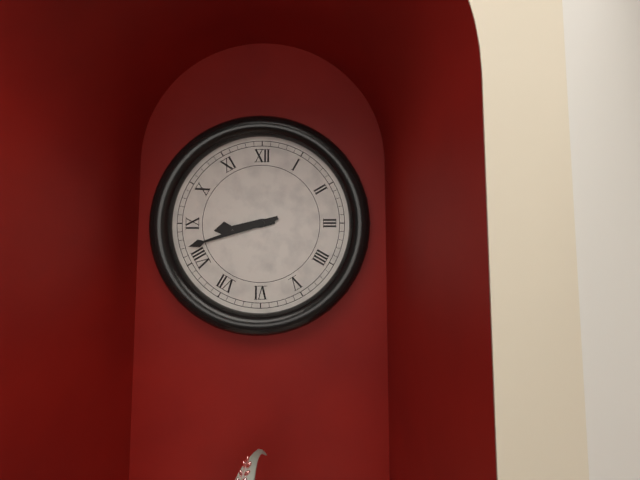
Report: 8:42
